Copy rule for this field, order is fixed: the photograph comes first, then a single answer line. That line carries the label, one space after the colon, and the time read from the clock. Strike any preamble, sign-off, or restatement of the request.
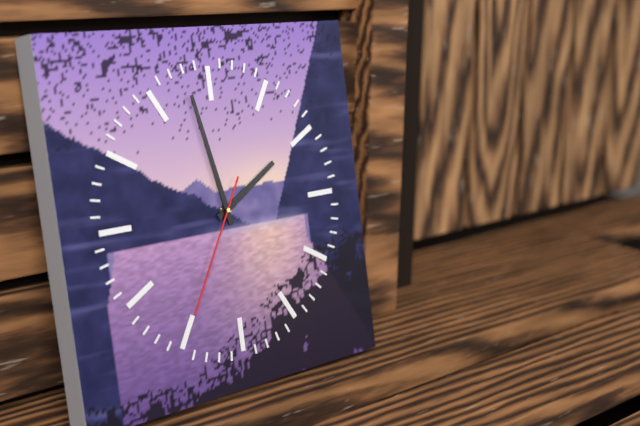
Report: 1:58:35
